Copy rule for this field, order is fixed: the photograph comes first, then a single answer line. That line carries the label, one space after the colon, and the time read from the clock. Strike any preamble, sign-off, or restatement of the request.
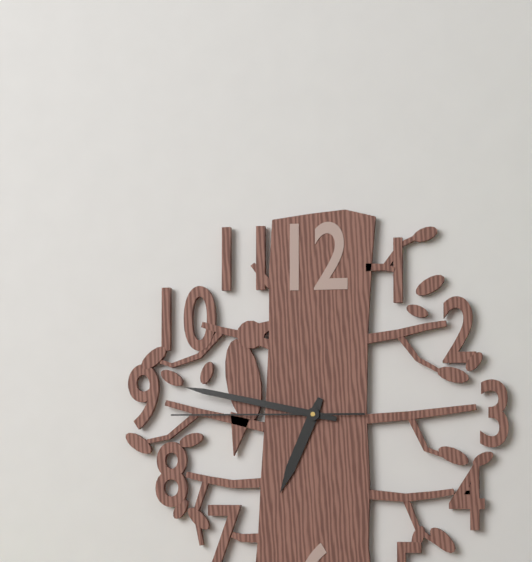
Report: 6:47:45
